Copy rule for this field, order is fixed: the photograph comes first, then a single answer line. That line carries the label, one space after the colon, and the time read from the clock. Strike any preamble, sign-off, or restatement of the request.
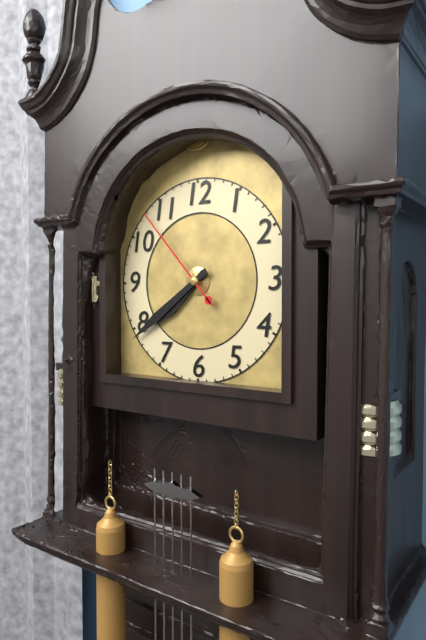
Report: 7:39:53
